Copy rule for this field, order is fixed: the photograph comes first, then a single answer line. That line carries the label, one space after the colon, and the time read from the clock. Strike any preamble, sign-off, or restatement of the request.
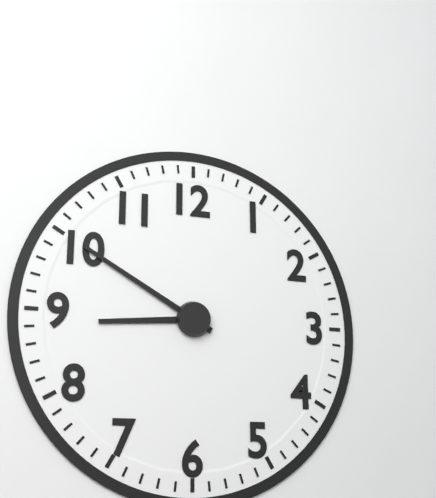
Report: 8:50
